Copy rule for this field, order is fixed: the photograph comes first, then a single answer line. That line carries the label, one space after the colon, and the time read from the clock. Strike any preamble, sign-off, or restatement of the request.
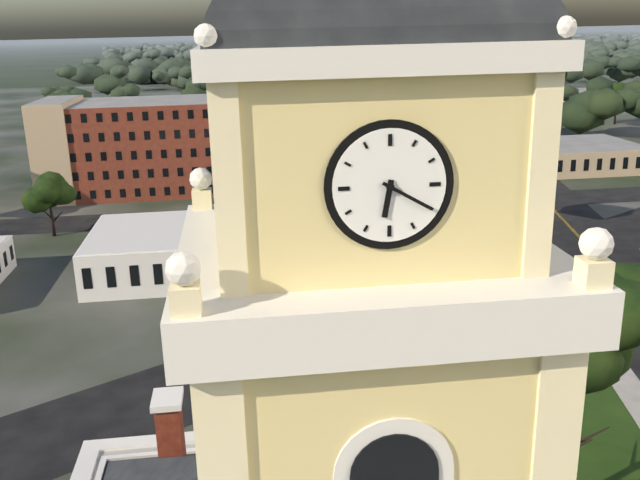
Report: 6:20
